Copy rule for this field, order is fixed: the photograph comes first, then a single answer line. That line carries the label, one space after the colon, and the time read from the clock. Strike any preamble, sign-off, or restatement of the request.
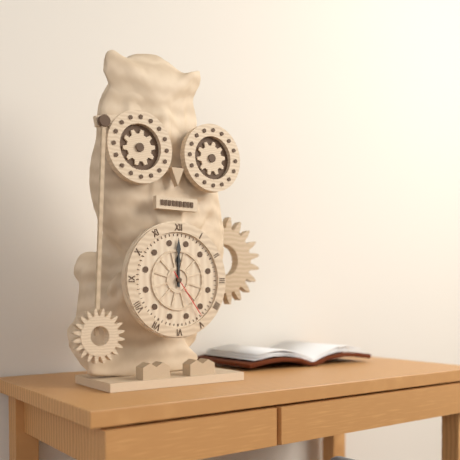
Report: 12:00:24
